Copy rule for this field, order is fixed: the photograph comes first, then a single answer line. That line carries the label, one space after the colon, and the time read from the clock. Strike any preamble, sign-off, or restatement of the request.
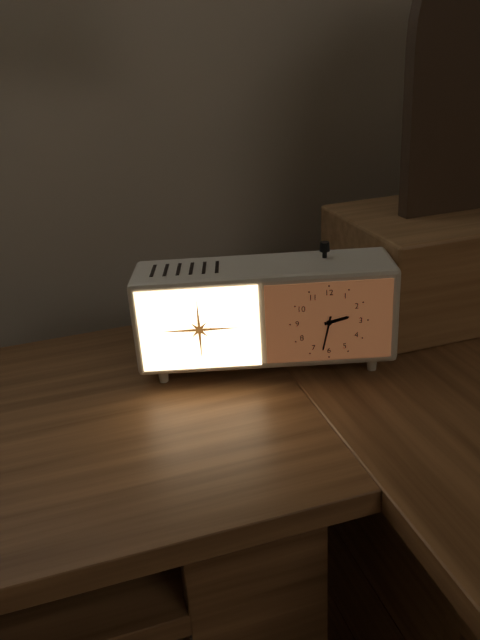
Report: 2:32
